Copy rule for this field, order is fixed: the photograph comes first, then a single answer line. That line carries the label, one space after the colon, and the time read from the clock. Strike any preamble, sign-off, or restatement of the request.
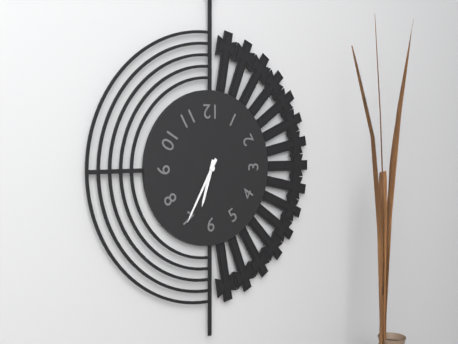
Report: 6:35
